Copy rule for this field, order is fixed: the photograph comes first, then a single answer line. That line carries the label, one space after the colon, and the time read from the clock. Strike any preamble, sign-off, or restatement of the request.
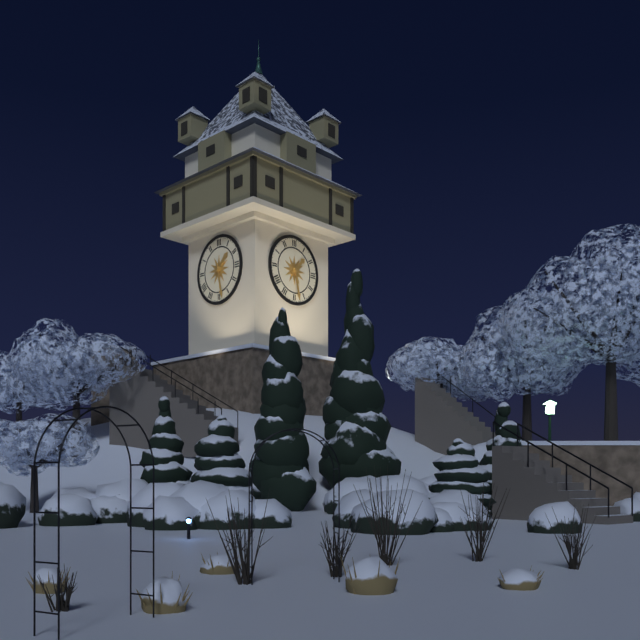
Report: 1:28
